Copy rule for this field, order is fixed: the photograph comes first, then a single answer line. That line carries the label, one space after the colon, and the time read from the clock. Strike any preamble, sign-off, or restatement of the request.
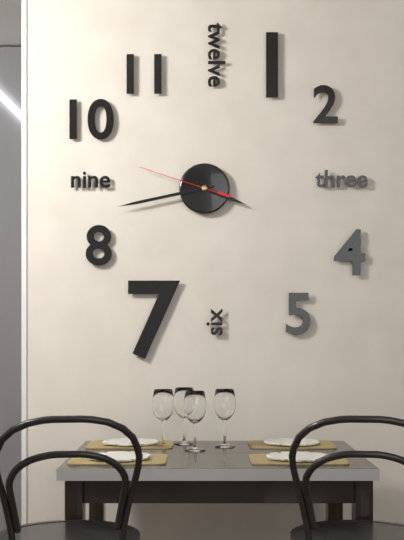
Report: 3:43:48
